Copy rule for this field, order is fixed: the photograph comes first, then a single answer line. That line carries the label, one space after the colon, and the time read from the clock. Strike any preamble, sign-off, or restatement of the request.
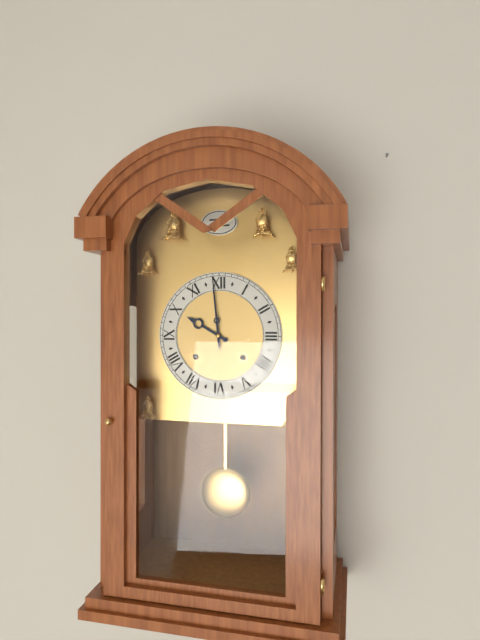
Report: 9:59
